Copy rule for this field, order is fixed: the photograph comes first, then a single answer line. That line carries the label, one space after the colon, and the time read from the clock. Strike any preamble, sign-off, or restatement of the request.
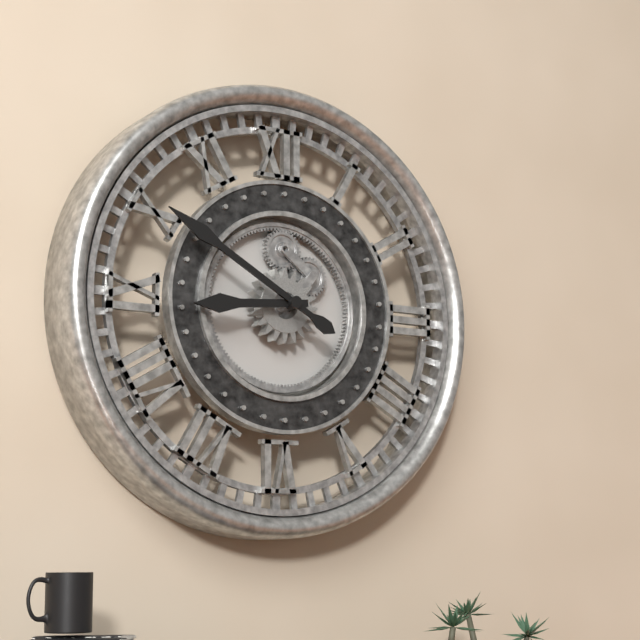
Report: 8:50
